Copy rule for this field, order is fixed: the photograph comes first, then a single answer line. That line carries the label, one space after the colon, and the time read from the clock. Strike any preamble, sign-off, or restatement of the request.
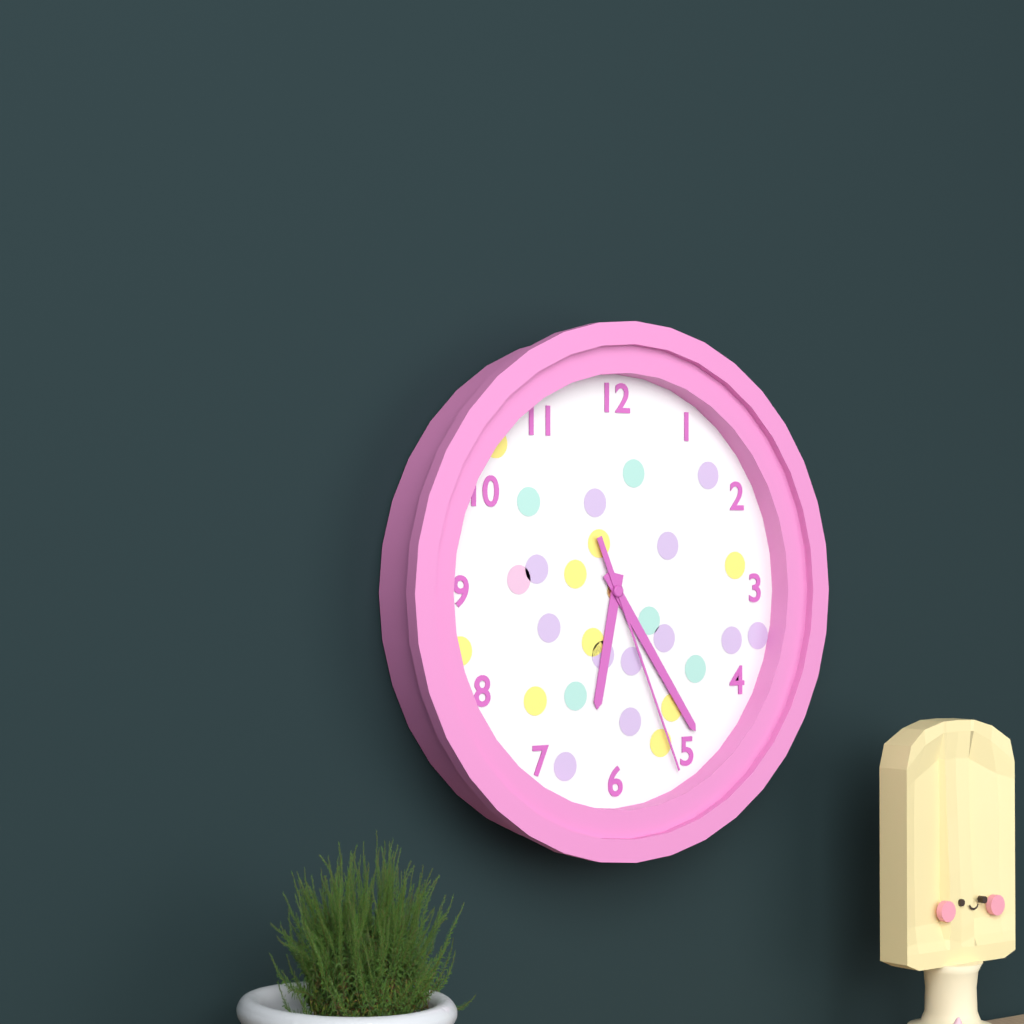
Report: 6:24:26
